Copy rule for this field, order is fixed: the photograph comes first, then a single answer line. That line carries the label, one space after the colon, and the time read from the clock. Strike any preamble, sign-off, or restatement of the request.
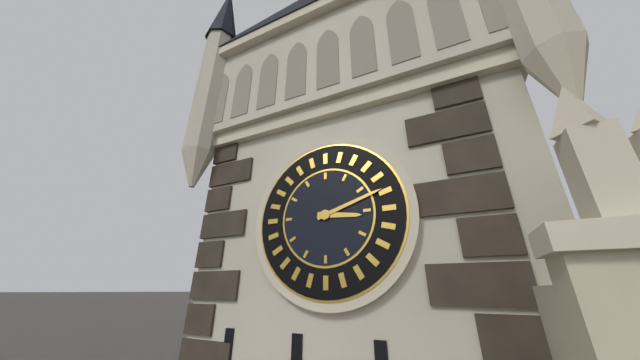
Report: 3:12
